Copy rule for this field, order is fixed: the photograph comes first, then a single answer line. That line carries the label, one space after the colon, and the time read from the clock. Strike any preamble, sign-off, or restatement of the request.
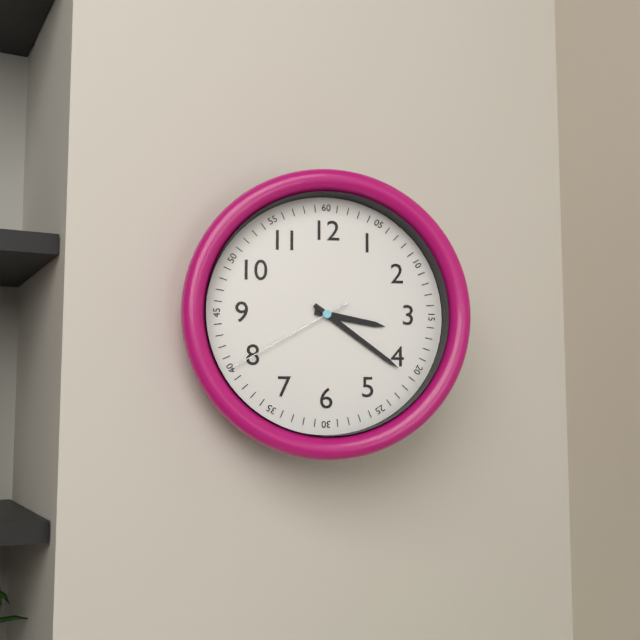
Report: 3:21:40
